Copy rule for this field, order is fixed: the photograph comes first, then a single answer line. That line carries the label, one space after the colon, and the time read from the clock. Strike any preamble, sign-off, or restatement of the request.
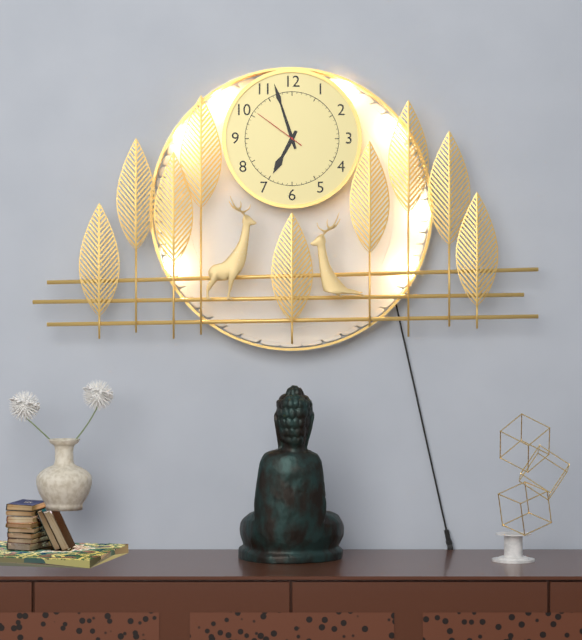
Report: 6:57:51
